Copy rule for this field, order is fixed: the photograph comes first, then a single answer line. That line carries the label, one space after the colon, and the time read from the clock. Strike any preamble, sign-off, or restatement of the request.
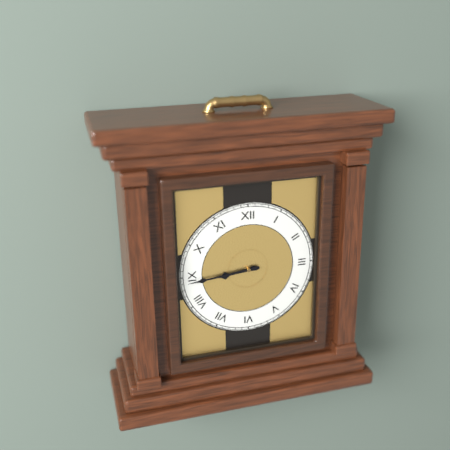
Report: 8:44
